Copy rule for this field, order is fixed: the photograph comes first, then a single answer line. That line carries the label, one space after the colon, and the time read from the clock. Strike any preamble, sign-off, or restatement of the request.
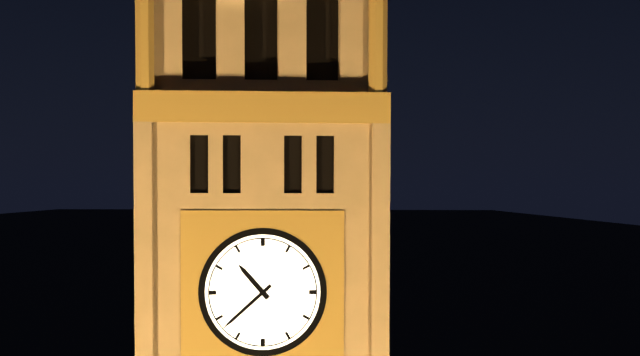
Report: 10:38
